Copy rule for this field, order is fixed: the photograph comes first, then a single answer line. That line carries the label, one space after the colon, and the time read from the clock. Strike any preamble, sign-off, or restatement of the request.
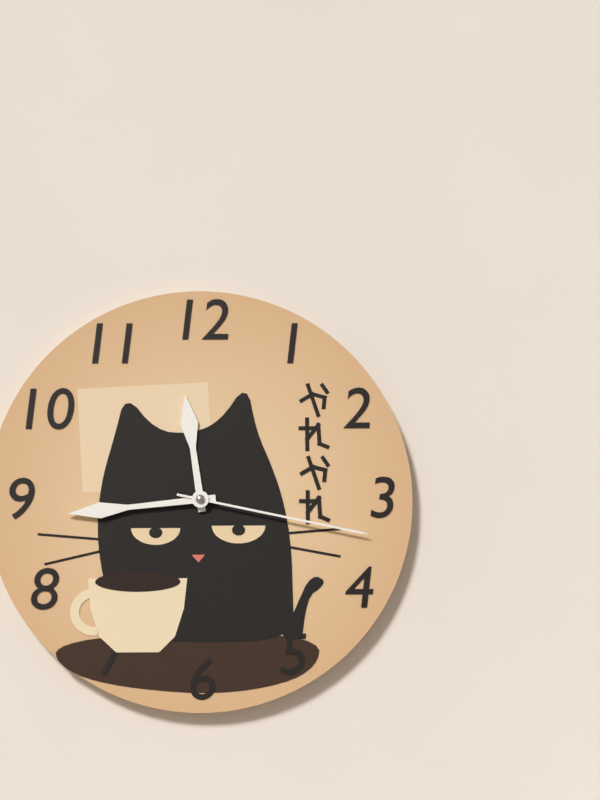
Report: 11:44:17
